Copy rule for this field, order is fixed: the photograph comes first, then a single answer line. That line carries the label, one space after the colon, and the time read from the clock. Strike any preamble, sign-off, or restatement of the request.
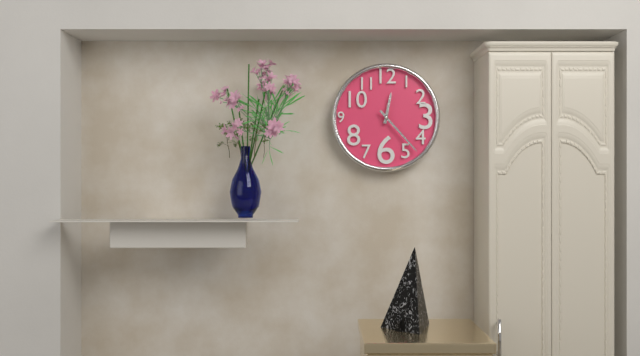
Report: 12:23
